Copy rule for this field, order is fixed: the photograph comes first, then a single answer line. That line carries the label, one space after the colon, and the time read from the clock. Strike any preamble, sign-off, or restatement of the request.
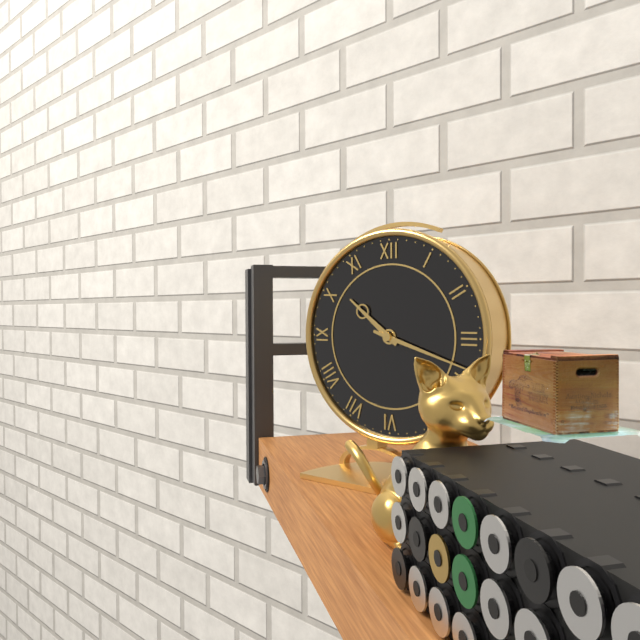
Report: 10:18
